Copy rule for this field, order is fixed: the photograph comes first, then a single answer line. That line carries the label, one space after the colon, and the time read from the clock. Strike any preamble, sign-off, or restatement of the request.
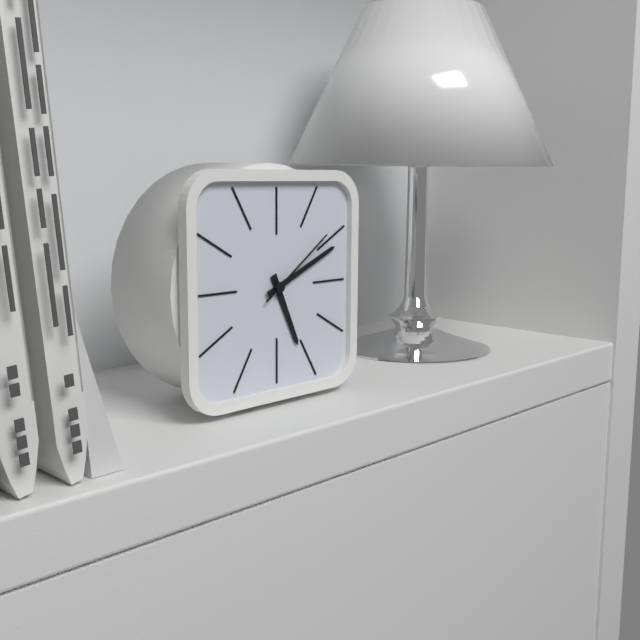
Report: 5:11:09
